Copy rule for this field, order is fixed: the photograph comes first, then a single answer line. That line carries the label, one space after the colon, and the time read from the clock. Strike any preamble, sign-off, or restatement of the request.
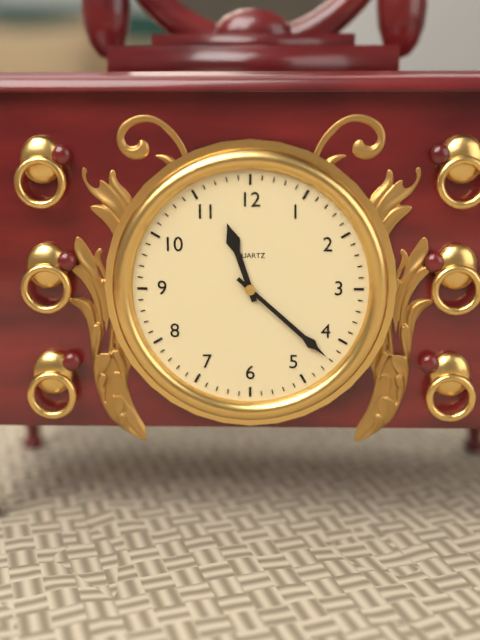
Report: 11:22
